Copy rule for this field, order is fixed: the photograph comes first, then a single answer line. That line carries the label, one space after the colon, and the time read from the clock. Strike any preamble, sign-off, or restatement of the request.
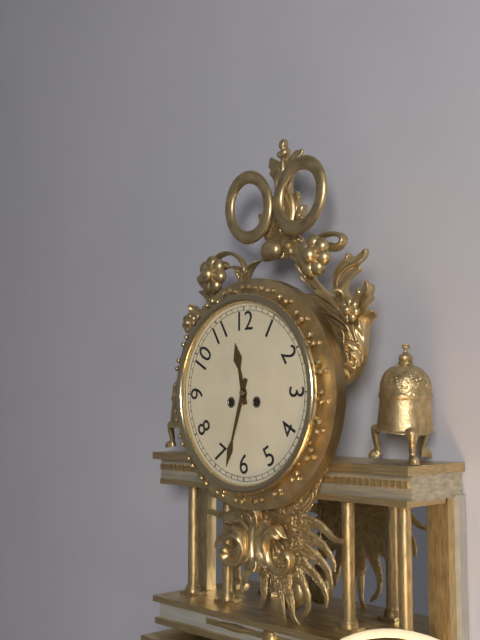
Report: 11:33
